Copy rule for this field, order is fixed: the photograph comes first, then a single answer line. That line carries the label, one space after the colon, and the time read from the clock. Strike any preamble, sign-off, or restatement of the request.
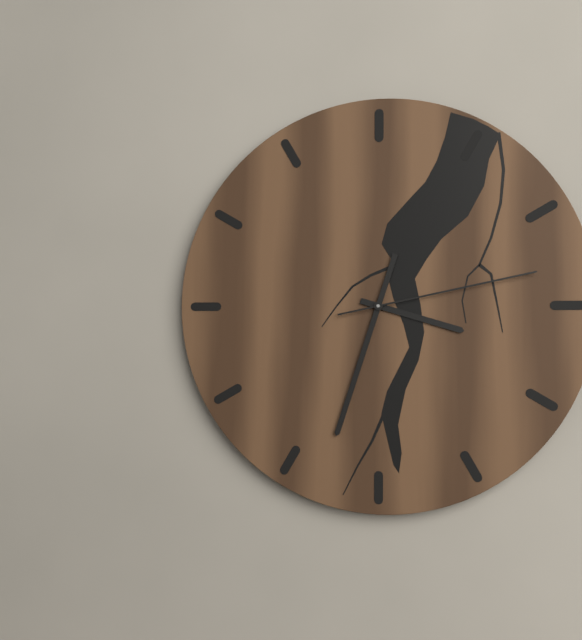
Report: 3:33:13
